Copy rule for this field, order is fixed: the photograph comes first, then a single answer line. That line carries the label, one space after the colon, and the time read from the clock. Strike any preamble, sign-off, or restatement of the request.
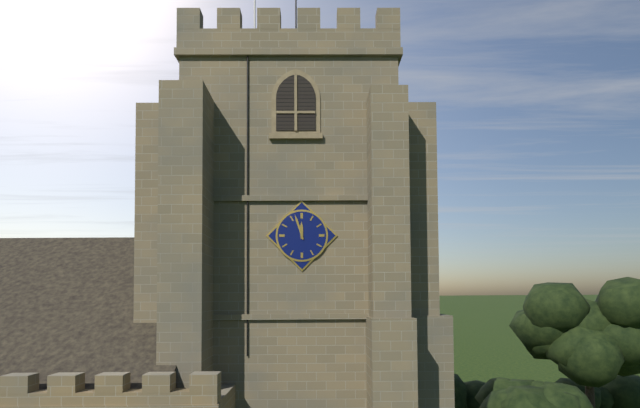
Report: 11:57
